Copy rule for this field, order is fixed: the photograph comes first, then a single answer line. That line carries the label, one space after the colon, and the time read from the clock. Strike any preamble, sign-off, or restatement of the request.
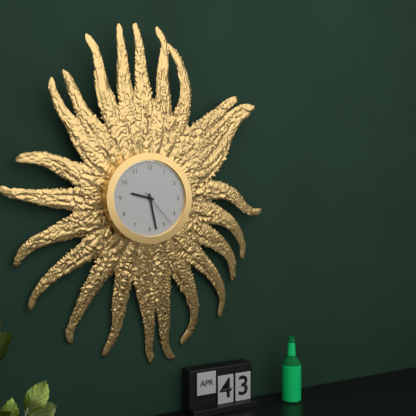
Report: 9:28
